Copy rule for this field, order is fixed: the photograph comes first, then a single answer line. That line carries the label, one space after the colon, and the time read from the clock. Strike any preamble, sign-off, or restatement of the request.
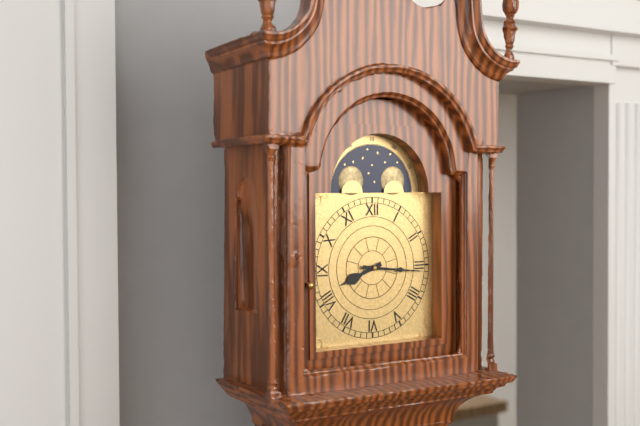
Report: 8:16
